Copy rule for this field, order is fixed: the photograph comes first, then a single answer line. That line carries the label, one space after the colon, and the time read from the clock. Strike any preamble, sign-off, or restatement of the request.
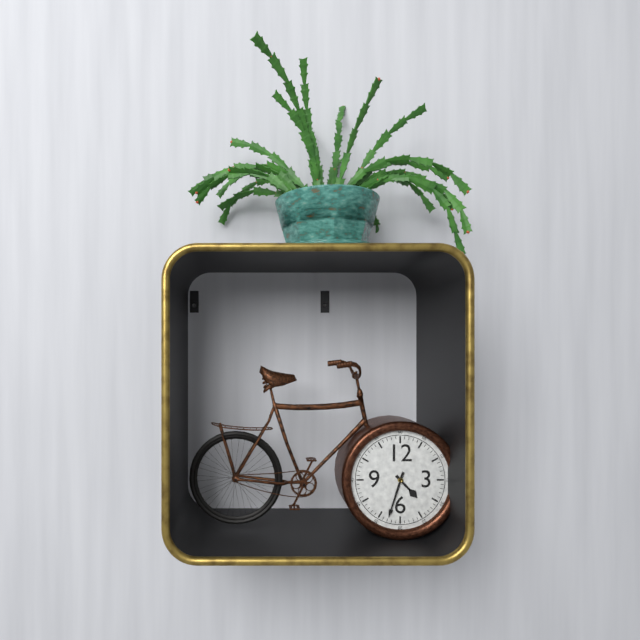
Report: 4:33
